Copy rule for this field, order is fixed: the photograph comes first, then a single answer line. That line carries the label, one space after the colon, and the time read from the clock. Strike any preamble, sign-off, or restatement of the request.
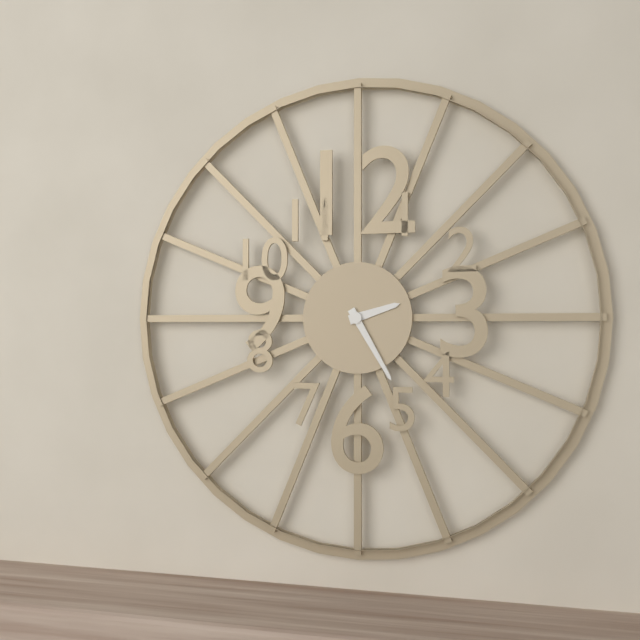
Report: 2:25
